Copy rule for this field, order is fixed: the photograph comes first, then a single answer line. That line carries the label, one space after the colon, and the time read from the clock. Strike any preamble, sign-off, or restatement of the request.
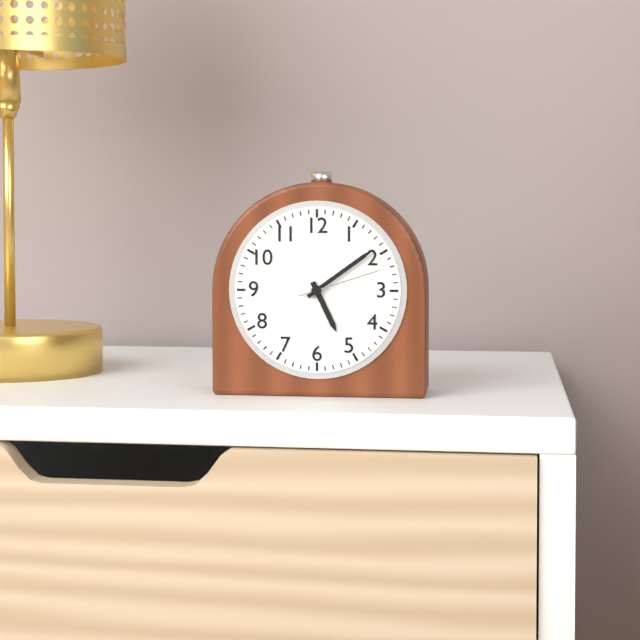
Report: 5:09:12
